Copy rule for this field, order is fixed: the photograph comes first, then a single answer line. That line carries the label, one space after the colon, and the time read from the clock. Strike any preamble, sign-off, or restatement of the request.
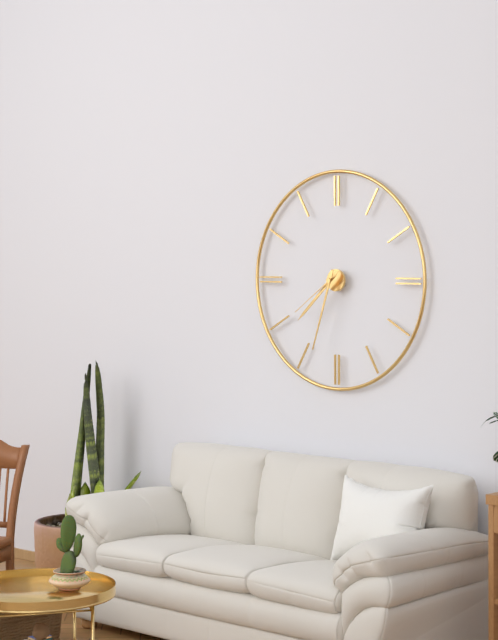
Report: 7:33:39
